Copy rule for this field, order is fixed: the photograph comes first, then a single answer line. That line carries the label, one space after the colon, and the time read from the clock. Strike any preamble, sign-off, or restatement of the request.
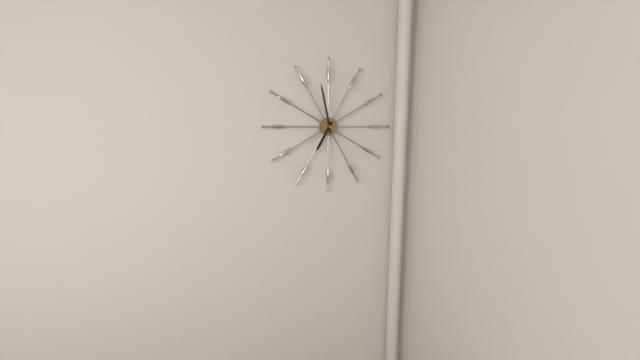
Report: 6:58
